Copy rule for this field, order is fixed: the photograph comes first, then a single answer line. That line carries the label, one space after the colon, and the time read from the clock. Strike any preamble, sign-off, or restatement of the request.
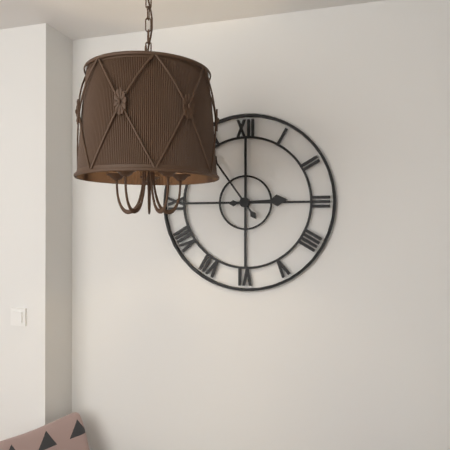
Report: 2:54
